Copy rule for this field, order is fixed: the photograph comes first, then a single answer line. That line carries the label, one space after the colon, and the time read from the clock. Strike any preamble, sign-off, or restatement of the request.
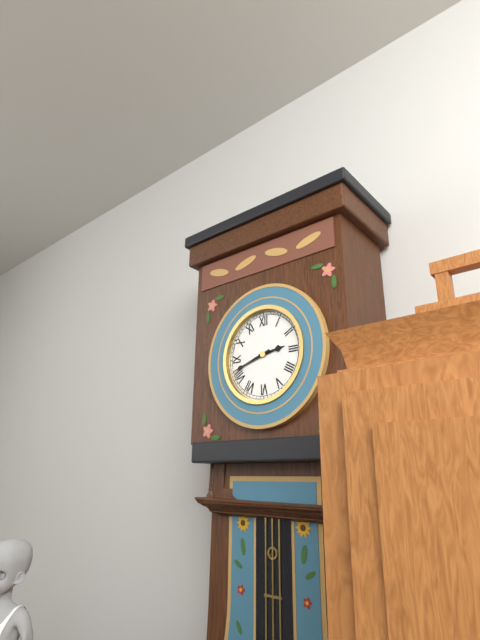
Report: 2:42
